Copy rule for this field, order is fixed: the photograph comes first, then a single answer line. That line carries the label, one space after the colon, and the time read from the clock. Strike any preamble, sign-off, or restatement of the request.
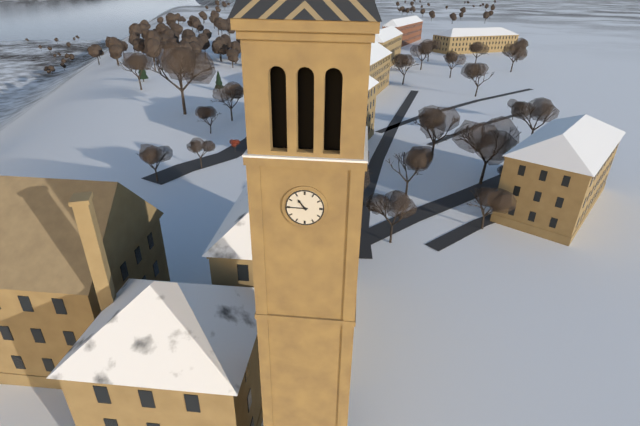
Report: 10:45
